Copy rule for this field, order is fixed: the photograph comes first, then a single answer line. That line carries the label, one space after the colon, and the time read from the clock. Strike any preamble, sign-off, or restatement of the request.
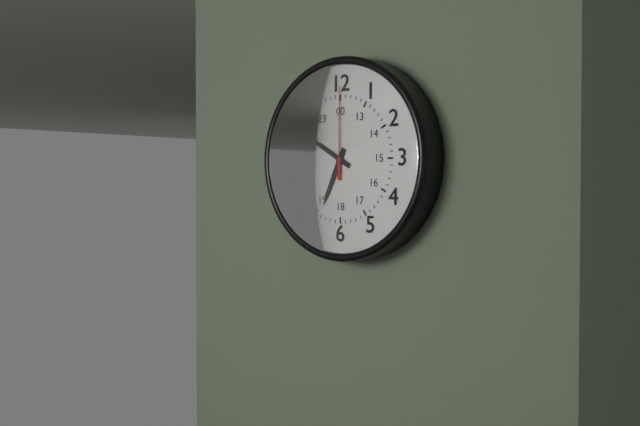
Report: 6:50:00
